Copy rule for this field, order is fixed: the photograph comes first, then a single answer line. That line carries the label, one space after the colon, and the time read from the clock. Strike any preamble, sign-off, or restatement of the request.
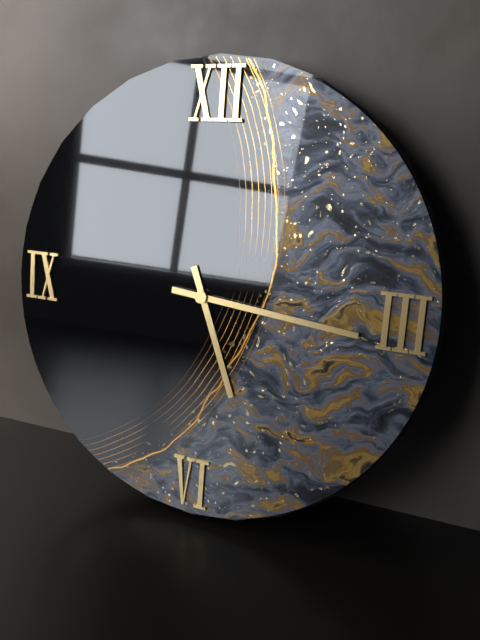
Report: 5:16
